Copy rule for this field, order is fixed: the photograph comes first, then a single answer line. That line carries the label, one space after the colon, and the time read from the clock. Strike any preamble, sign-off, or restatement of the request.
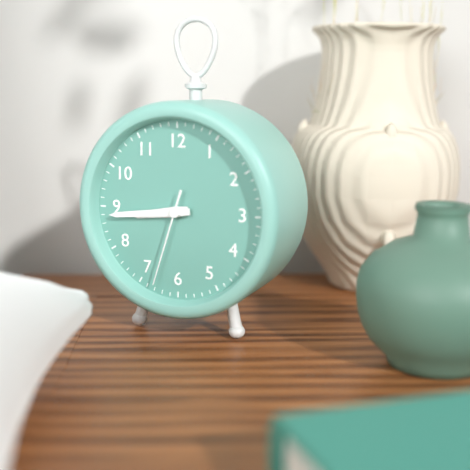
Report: 8:44:33
